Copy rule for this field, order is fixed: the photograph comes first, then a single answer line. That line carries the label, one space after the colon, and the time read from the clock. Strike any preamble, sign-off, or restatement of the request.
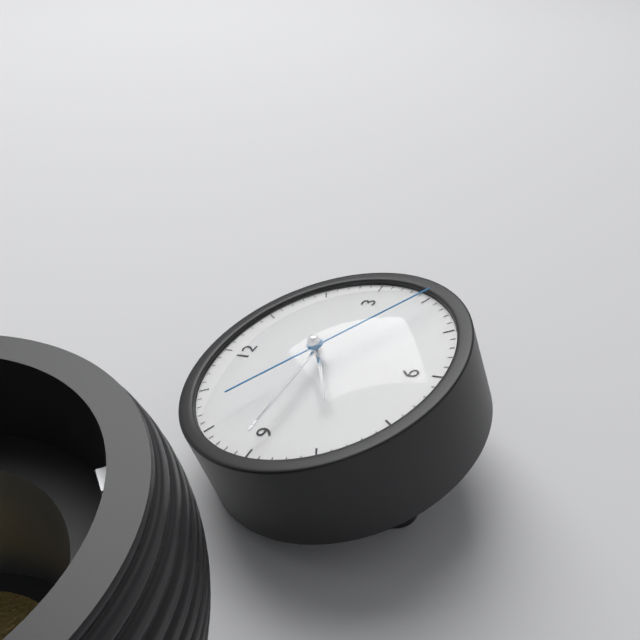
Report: 7:45:21
